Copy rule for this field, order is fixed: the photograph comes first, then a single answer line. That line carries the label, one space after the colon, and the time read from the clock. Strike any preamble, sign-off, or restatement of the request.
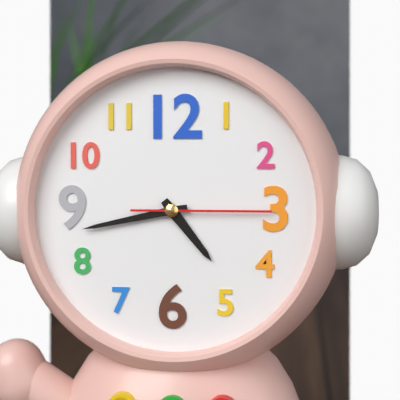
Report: 4:43:15
